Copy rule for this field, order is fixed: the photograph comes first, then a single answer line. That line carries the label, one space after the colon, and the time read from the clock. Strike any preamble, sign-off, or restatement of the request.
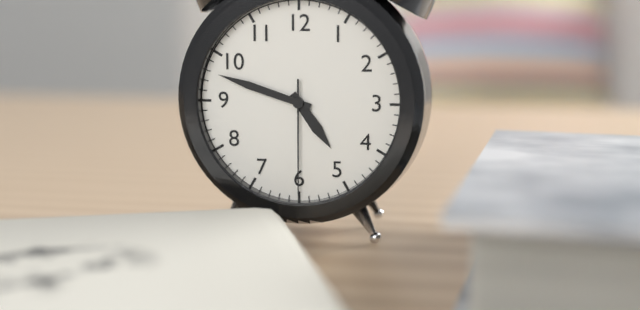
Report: 4:48:30
